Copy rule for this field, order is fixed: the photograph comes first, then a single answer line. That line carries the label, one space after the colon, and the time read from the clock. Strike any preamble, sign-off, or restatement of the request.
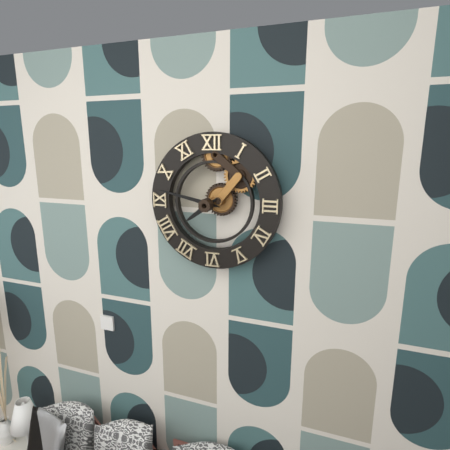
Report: 7:47
